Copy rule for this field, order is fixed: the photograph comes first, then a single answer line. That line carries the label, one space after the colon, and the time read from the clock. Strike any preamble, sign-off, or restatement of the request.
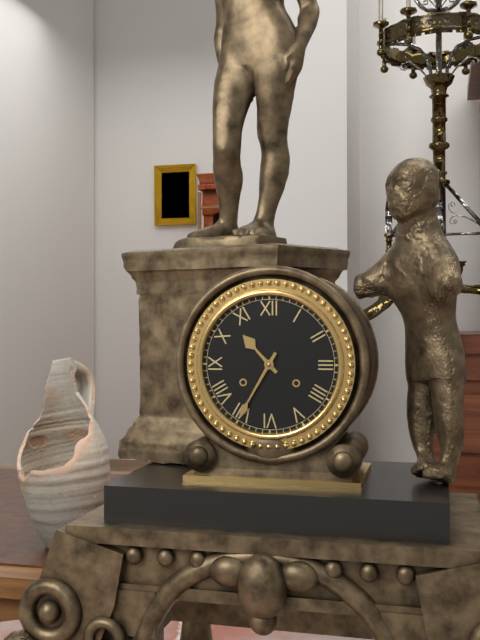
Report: 10:35
